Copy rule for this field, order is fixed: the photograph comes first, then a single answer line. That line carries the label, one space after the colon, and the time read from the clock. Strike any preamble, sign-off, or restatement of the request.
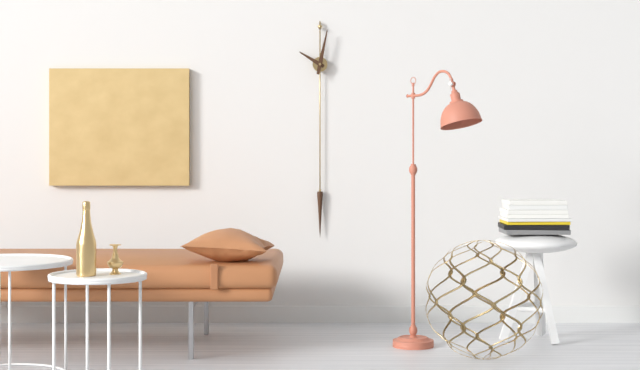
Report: 10:02
